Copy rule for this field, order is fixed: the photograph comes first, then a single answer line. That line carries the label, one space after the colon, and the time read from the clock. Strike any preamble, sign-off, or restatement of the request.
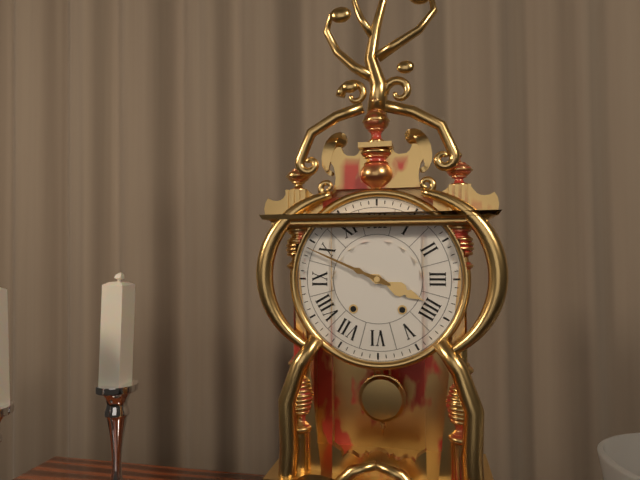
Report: 3:49
